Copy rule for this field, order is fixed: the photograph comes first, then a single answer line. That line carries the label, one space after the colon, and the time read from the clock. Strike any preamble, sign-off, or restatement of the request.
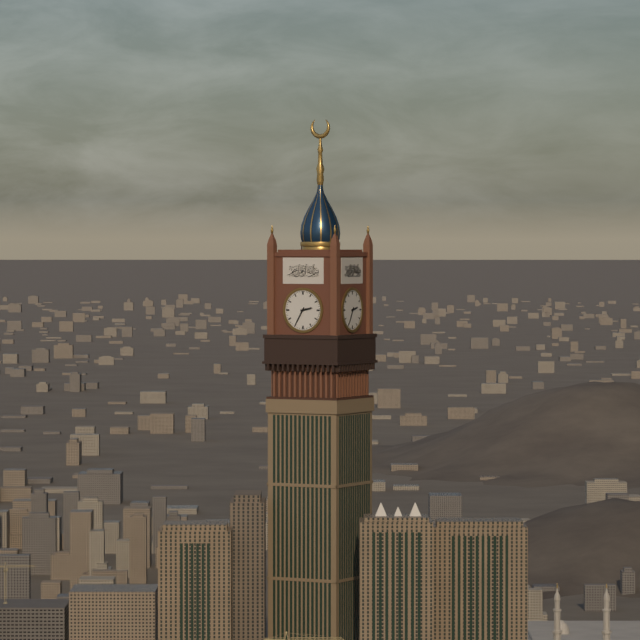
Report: 2:35
